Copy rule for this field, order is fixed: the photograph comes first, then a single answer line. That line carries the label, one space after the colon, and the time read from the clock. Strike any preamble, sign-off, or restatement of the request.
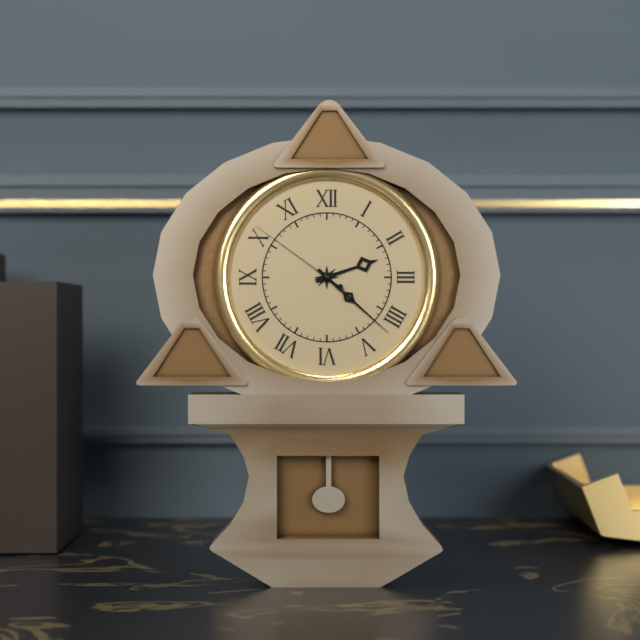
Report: 2:22:51
